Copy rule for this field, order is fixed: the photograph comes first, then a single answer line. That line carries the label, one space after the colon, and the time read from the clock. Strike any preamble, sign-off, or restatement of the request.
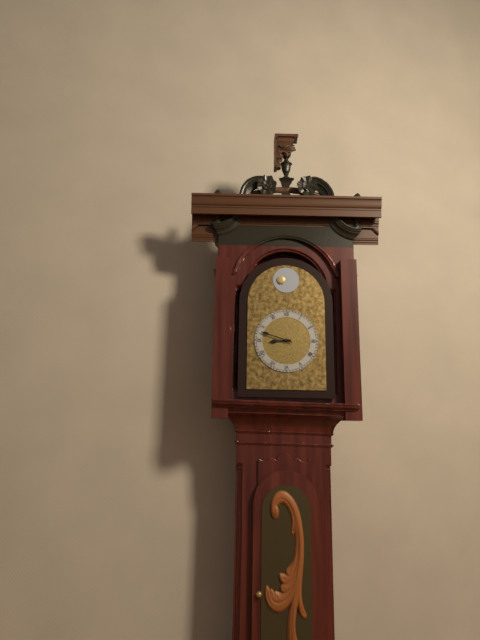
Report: 8:48
